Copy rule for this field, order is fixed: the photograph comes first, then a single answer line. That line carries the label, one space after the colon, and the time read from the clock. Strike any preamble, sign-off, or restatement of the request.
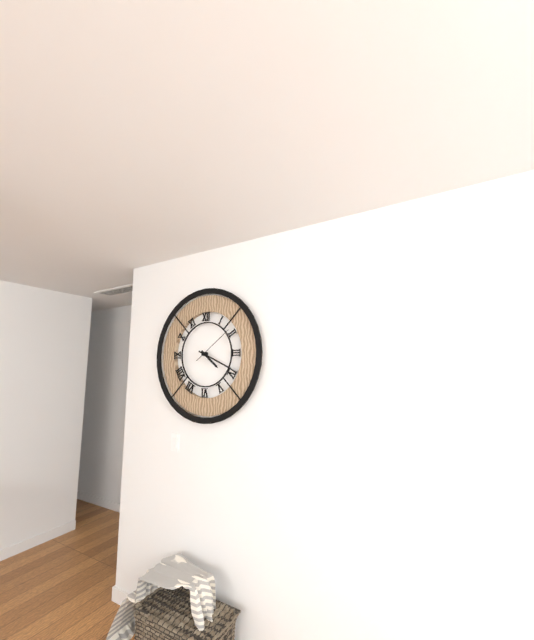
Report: 4:19
